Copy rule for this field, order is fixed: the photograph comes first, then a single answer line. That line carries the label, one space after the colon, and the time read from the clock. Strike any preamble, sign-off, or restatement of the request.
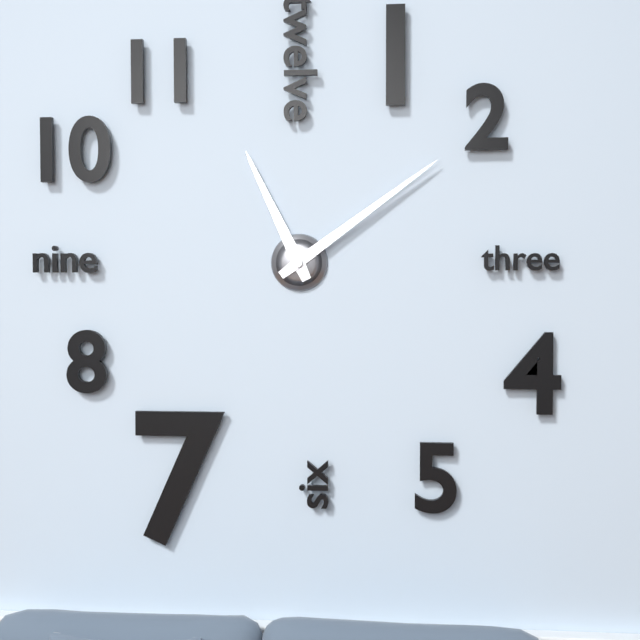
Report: 11:09
